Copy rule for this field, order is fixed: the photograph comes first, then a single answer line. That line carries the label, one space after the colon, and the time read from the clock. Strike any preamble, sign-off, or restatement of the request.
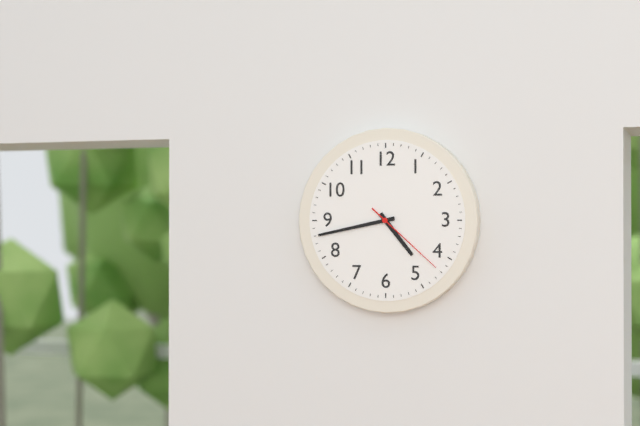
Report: 4:43:22
